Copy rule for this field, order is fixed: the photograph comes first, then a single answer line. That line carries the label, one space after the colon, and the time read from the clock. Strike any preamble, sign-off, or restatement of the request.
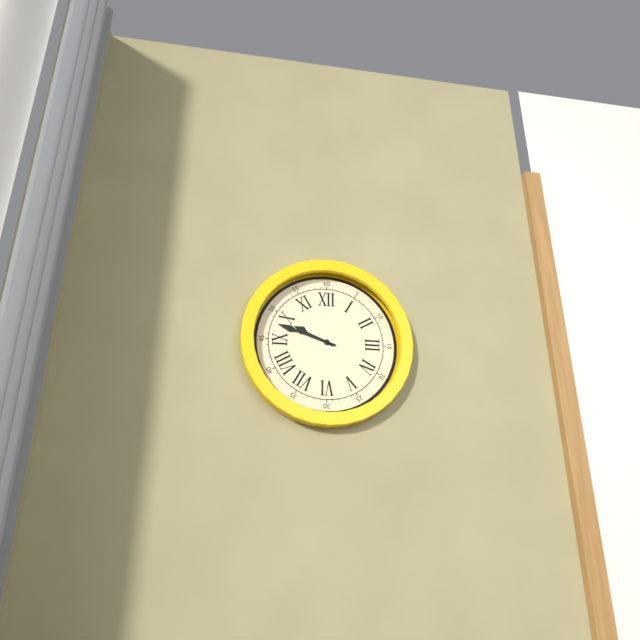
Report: 9:48
